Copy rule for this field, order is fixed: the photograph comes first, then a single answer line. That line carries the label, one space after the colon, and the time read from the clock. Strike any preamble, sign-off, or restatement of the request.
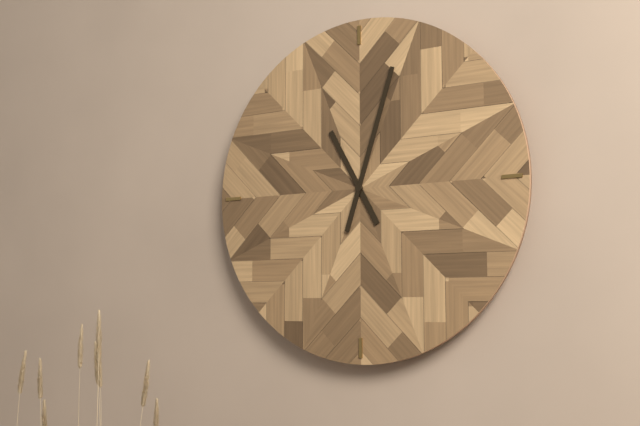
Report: 11:03
